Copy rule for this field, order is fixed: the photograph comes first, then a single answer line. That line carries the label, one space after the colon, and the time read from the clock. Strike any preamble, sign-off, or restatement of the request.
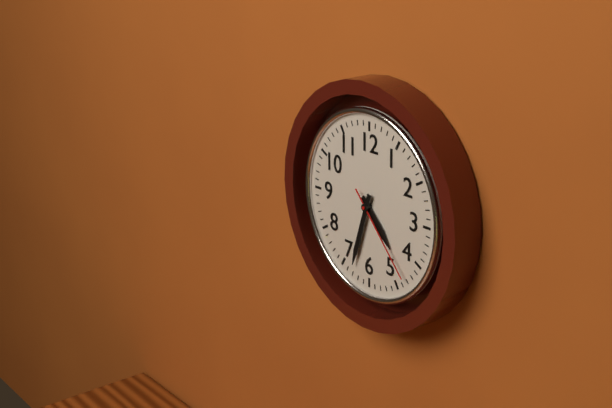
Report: 4:33:23
